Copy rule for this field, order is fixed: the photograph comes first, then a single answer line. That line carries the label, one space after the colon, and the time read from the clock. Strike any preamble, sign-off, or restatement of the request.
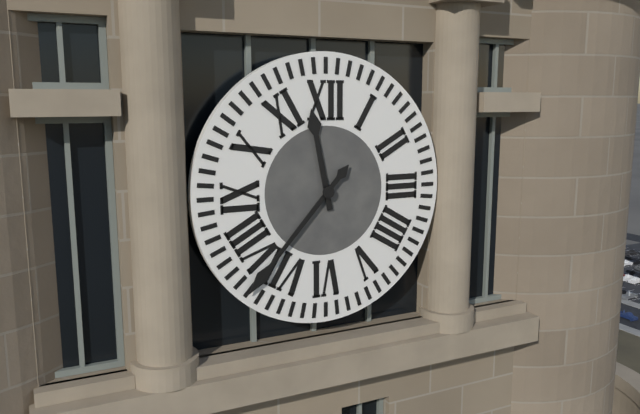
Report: 11:37
